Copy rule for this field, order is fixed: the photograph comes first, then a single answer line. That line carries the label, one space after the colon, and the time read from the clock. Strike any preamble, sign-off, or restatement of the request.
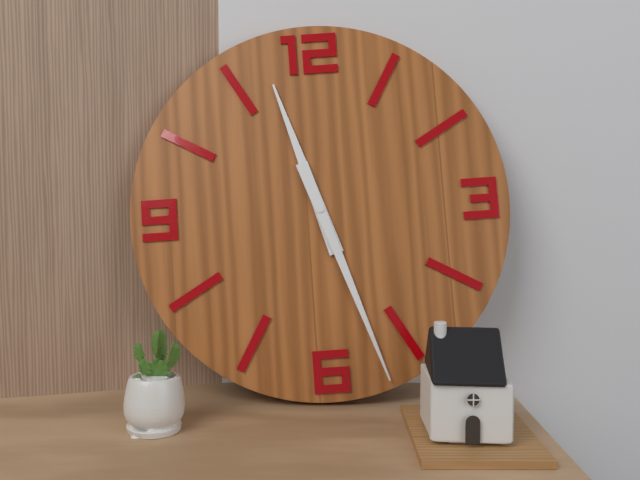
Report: 11:27
